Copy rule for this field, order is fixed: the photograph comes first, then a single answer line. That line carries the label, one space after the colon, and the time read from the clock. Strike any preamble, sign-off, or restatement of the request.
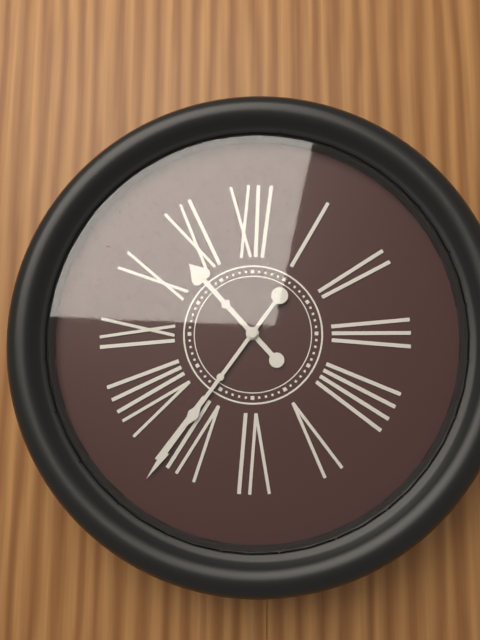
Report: 10:36
